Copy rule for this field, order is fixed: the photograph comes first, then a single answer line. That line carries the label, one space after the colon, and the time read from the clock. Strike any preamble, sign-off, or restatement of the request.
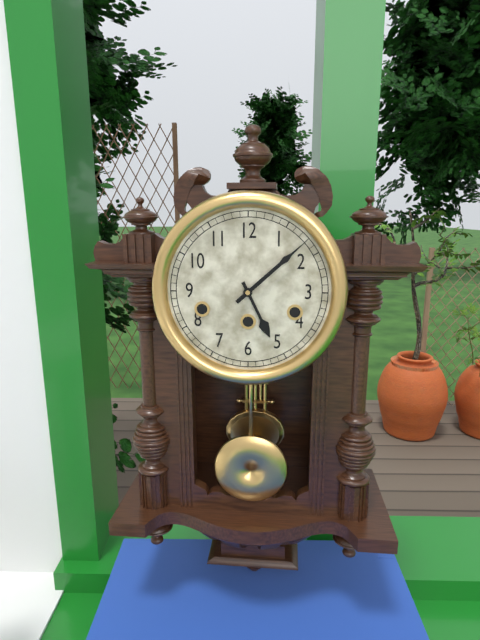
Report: 5:08
